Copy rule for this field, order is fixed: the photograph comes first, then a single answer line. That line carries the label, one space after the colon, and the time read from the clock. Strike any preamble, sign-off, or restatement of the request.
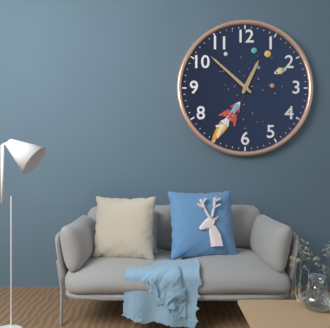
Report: 12:52
